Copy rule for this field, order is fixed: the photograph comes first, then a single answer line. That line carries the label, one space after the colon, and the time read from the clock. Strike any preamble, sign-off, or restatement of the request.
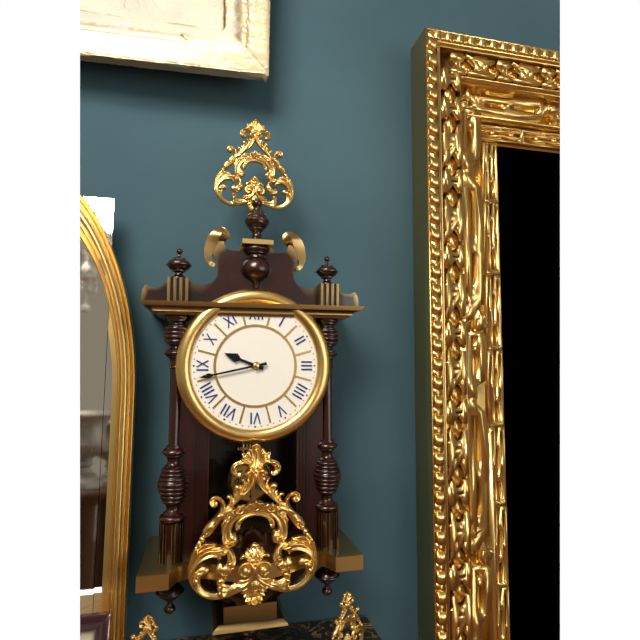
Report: 9:43
